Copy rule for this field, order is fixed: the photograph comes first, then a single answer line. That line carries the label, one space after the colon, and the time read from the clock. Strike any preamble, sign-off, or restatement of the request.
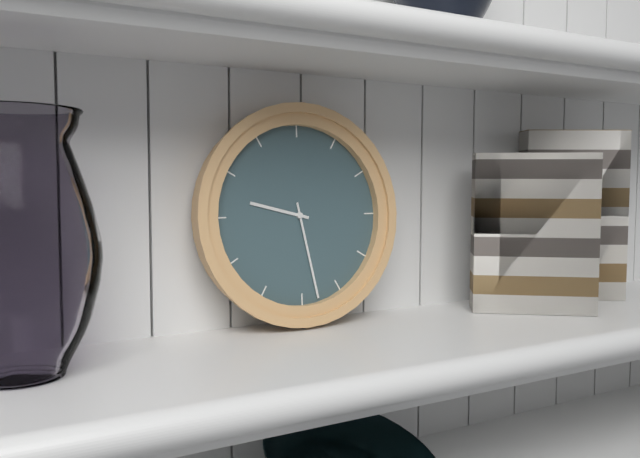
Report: 9:28
